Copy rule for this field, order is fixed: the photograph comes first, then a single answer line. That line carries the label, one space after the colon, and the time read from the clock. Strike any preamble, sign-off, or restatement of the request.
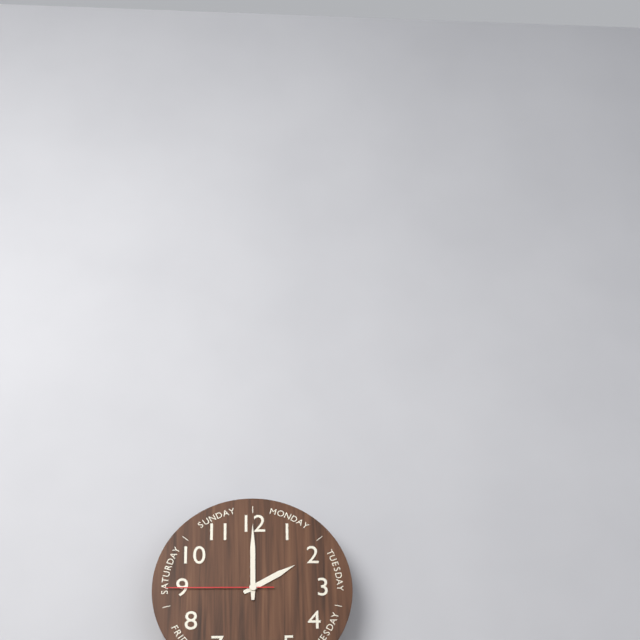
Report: 2:00:45
